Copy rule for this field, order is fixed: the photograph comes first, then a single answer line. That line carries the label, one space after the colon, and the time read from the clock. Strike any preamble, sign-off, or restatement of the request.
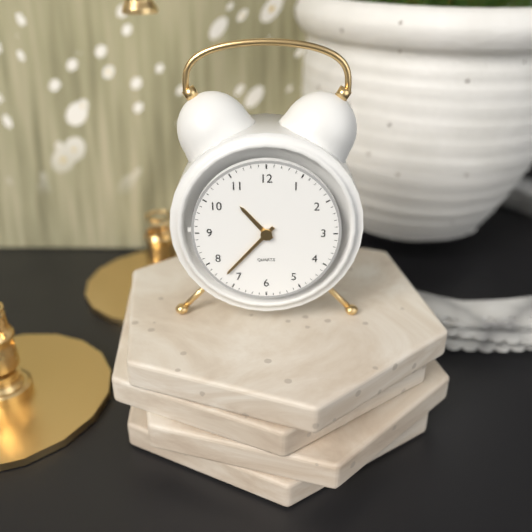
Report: 10:37
